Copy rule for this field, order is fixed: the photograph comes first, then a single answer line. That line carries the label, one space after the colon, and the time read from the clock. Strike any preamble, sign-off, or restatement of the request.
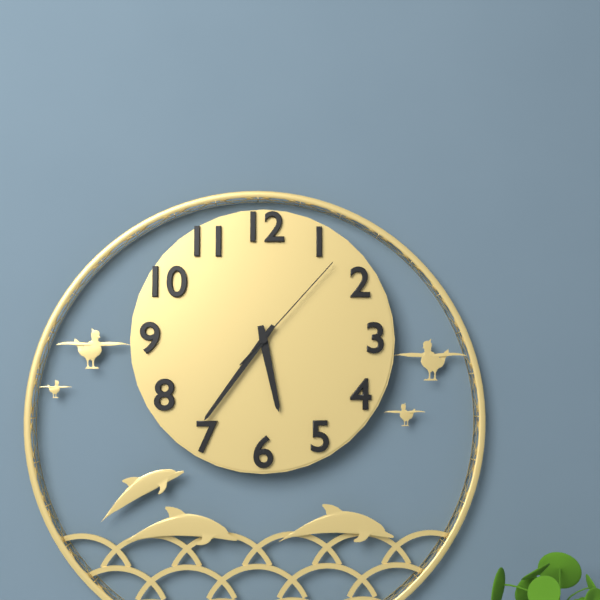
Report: 5:36:07
